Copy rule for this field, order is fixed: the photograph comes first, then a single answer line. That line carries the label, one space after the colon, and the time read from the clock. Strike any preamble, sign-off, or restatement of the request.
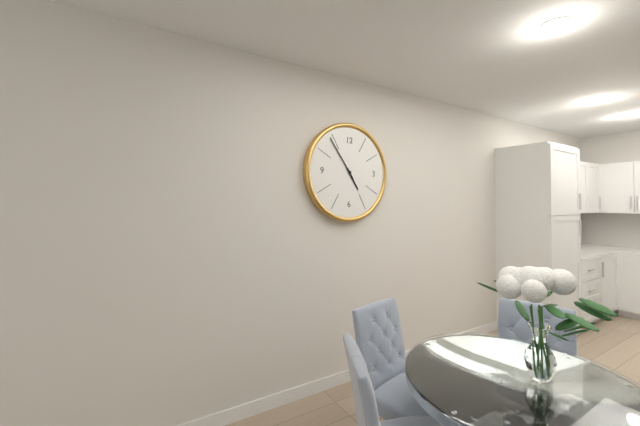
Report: 4:54
